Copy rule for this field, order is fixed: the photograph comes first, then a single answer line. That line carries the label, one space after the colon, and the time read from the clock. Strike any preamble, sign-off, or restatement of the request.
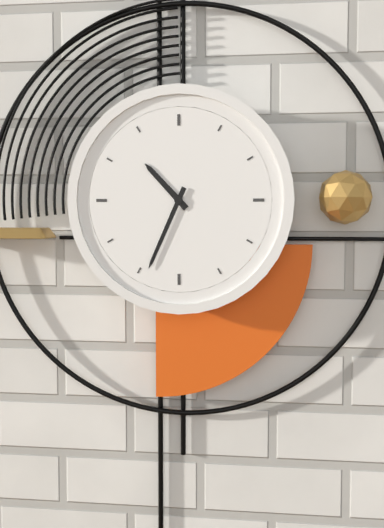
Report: 10:34
